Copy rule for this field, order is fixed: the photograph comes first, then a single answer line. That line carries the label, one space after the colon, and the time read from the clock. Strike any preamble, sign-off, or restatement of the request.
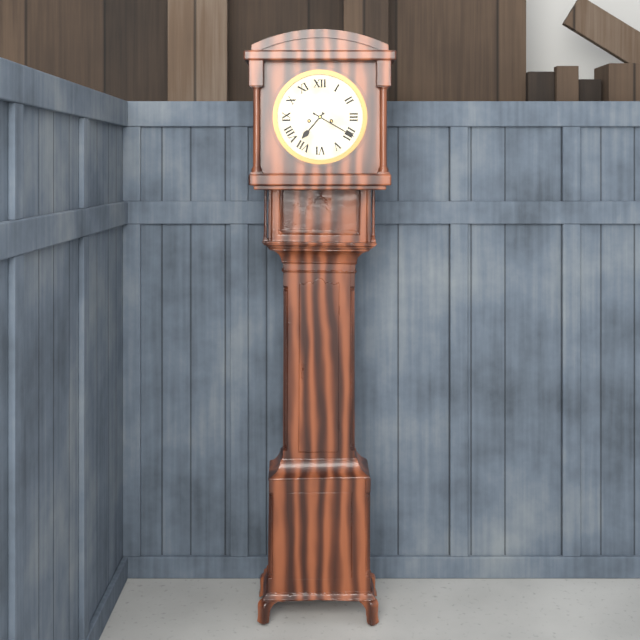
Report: 7:20
